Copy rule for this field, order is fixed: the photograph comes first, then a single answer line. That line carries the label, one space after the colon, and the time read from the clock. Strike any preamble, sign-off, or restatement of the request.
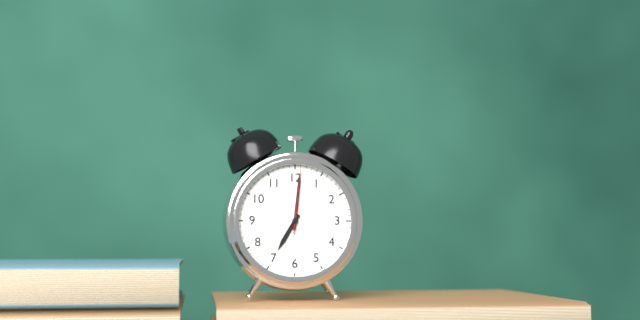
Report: 7:01:01
